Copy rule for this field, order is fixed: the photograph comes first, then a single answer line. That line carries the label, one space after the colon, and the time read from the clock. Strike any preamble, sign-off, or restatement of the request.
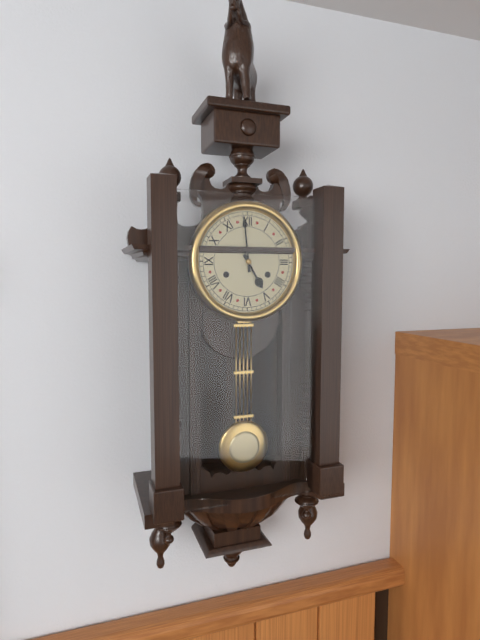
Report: 4:59
